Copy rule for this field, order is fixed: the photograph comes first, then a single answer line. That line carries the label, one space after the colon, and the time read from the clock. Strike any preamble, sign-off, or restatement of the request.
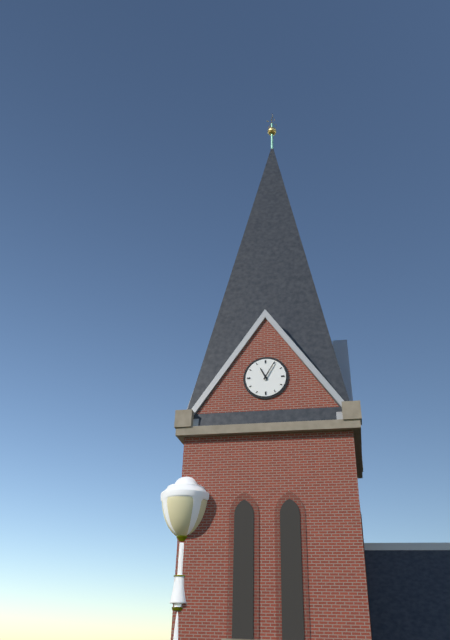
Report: 11:05
